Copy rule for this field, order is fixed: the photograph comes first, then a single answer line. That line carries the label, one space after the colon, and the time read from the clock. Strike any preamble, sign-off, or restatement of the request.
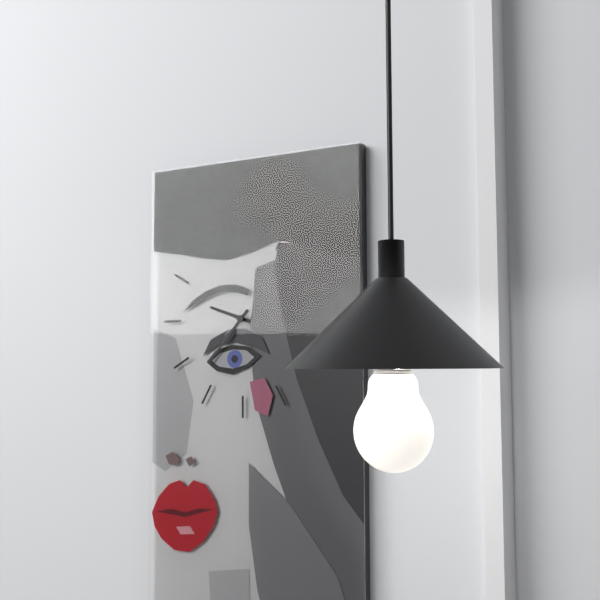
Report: 9:37
